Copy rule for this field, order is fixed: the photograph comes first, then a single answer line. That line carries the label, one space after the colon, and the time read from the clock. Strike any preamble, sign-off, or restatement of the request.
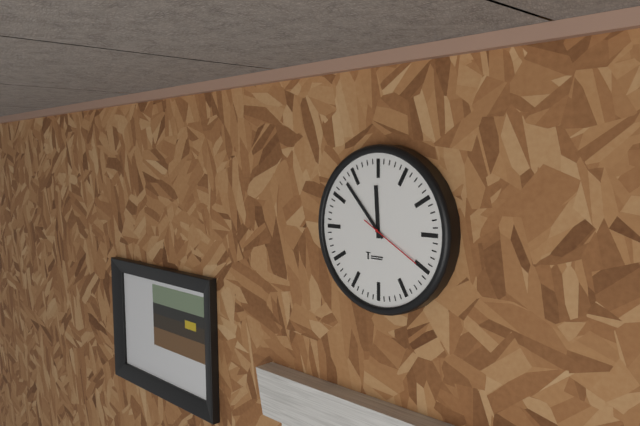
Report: 11:53:20
